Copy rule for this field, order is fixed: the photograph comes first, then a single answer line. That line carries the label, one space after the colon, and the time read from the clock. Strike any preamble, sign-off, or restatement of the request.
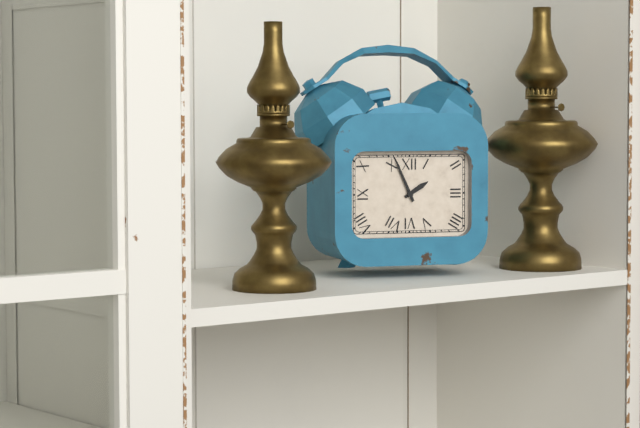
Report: 1:56
